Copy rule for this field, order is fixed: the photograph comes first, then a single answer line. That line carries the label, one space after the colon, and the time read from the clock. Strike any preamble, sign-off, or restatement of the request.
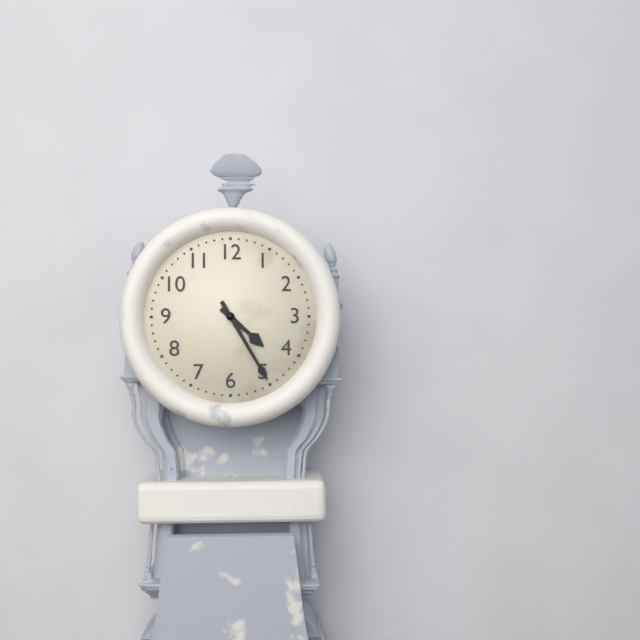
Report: 4:25
